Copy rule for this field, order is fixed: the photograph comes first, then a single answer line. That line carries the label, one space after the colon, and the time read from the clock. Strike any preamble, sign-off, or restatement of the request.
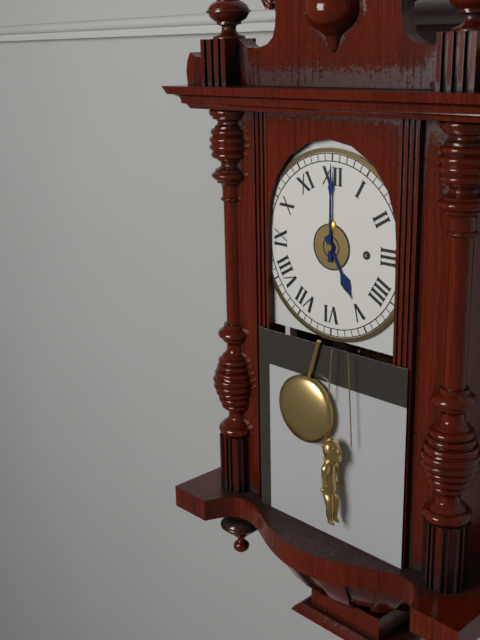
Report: 5:00
